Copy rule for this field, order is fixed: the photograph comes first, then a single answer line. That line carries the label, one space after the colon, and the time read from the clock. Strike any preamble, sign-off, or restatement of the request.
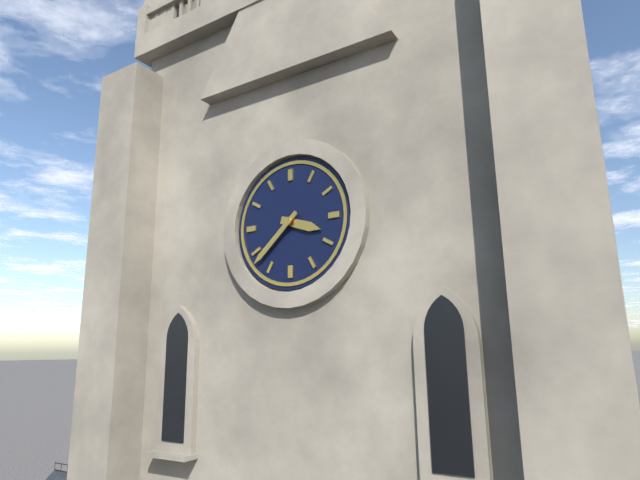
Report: 3:38
